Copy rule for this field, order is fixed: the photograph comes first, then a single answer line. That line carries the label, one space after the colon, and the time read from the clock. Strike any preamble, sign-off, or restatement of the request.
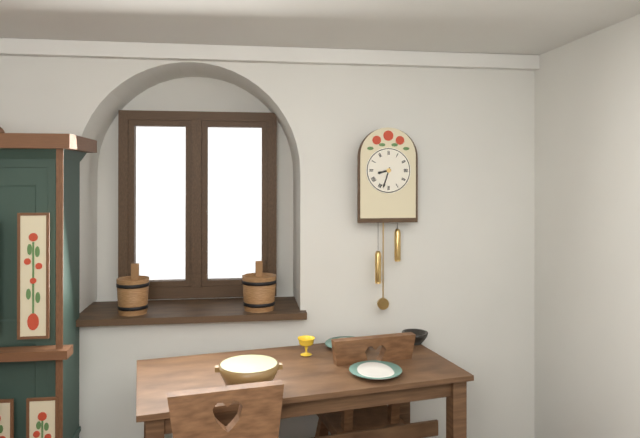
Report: 8:33
